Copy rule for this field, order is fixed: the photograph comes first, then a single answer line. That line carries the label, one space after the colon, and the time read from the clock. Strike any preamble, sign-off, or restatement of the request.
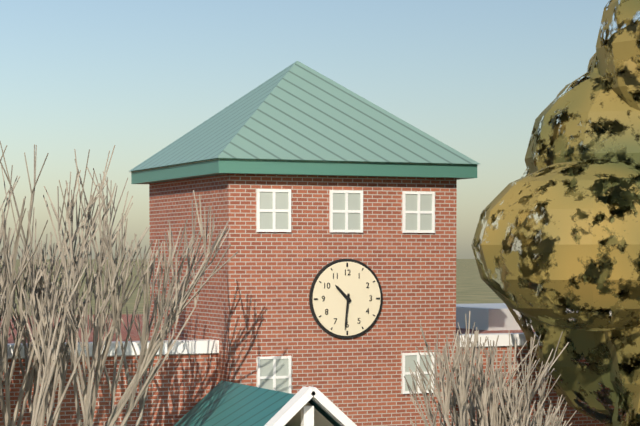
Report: 10:31
